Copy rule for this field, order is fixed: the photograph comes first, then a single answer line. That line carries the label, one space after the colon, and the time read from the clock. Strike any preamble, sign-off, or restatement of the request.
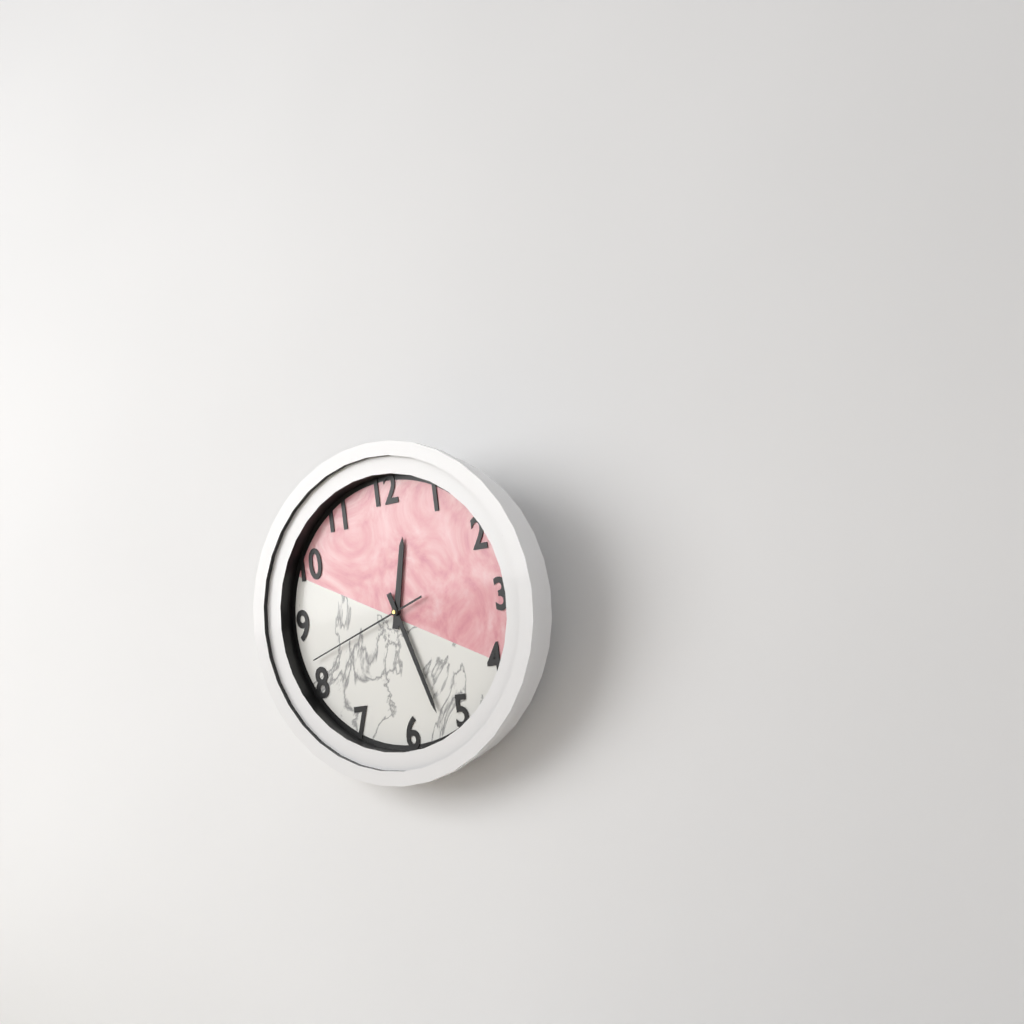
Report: 12:27:42
